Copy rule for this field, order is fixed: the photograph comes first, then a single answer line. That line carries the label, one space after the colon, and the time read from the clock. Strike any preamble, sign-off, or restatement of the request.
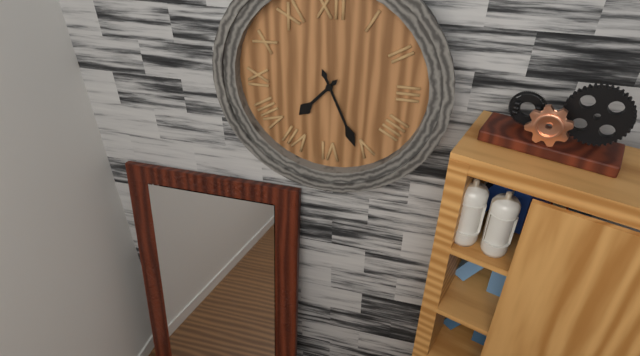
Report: 7:26
